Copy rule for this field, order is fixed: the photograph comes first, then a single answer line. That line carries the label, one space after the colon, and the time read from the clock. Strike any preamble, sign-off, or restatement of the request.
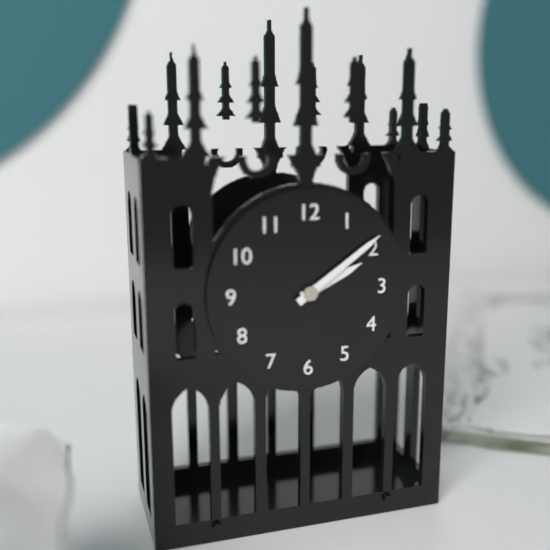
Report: 2:09
